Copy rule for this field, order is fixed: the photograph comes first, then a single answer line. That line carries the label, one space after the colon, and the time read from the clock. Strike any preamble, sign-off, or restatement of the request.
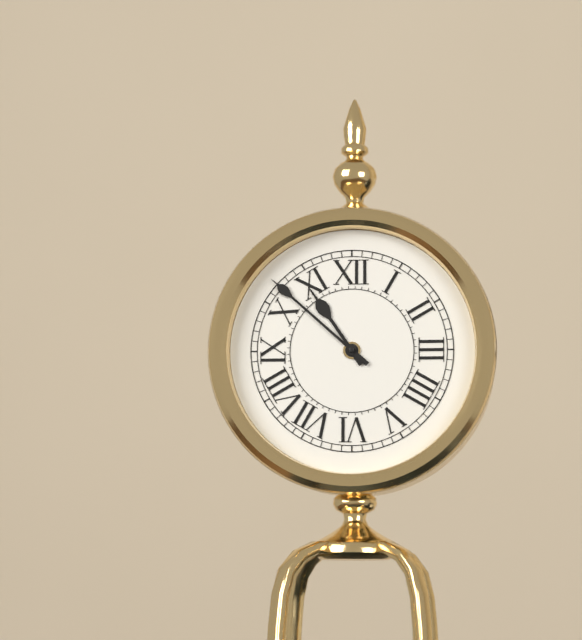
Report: 10:52
